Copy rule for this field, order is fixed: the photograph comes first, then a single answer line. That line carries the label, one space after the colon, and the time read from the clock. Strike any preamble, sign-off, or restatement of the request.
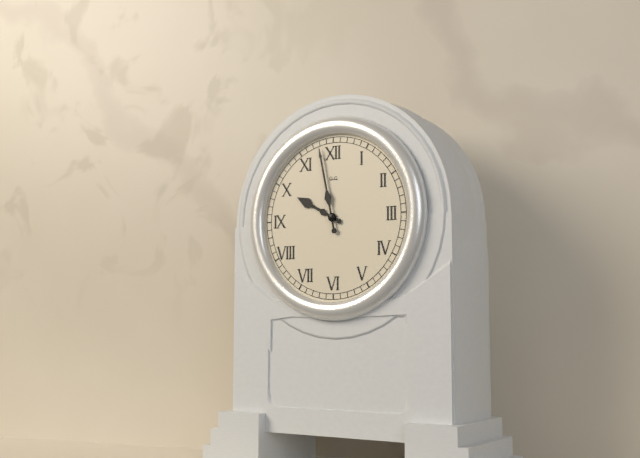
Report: 9:58
